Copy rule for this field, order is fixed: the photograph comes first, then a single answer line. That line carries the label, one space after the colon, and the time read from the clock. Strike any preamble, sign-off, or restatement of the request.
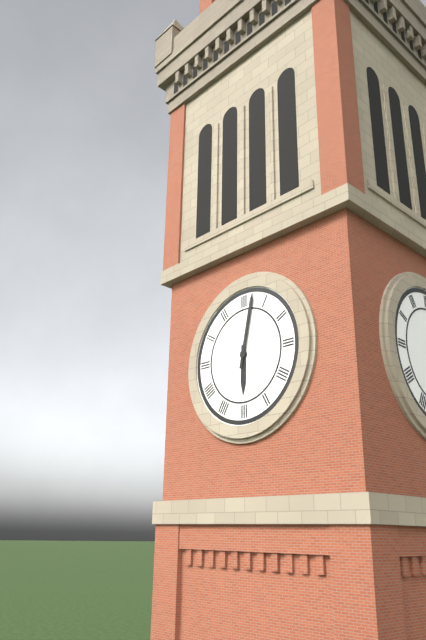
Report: 6:02
